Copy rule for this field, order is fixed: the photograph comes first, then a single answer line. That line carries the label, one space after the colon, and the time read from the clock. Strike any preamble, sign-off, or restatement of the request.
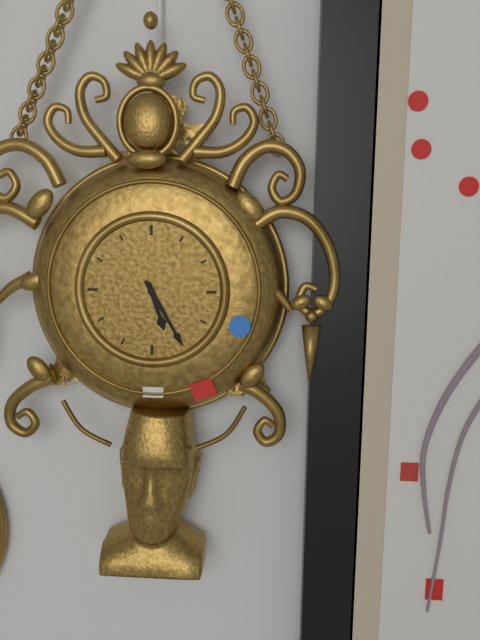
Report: 5:25
